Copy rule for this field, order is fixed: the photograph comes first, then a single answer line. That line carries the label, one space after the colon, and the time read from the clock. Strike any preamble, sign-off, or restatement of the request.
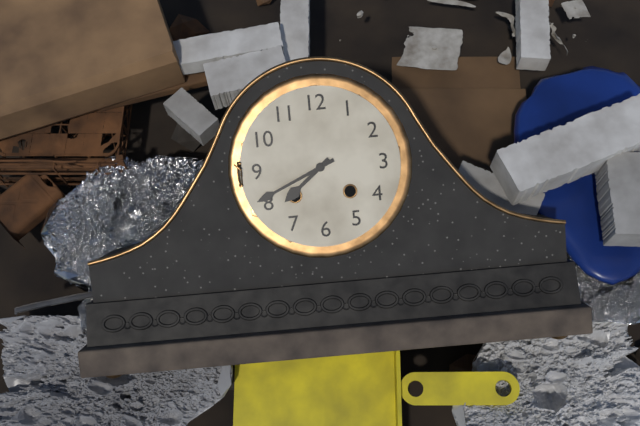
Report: 7:41
